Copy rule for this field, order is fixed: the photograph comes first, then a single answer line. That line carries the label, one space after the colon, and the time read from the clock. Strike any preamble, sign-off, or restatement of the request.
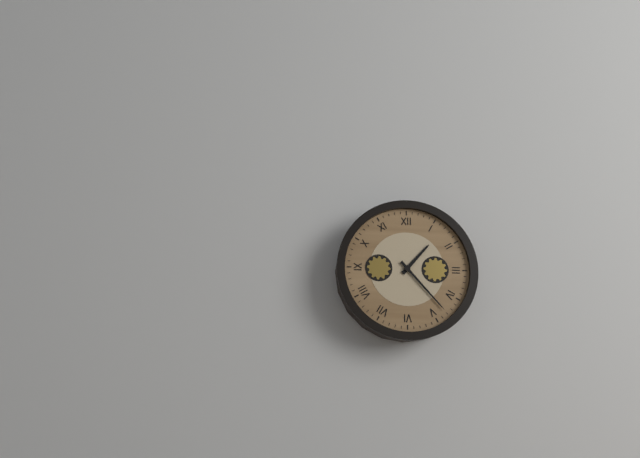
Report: 1:23
